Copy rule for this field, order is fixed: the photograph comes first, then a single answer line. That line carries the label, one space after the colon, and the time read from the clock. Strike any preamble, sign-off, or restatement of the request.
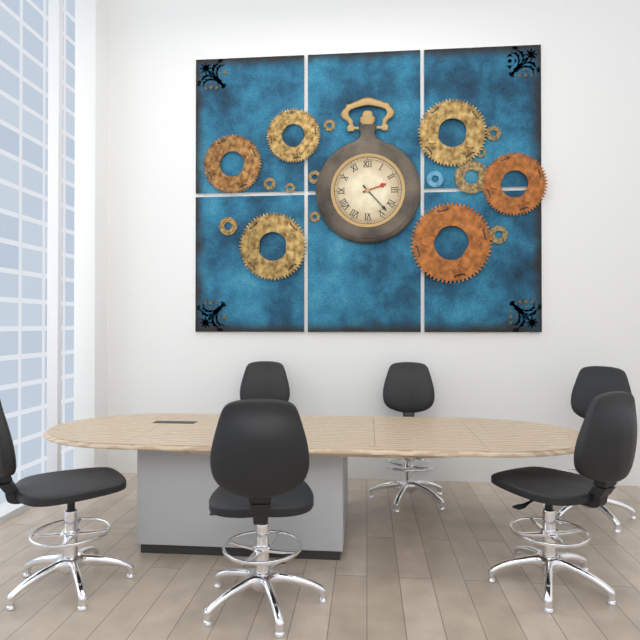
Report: 2:23
